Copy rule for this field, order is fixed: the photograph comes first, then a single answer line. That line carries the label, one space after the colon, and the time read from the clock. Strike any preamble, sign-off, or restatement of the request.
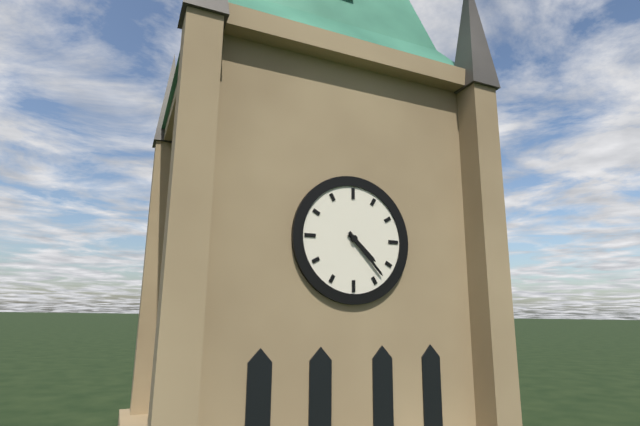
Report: 4:23
